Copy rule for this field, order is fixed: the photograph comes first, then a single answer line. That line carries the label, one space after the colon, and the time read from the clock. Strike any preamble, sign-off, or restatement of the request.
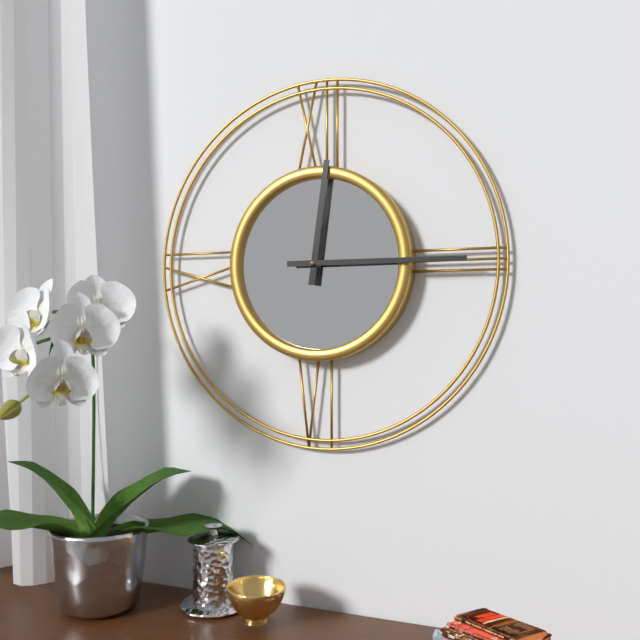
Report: 12:15
